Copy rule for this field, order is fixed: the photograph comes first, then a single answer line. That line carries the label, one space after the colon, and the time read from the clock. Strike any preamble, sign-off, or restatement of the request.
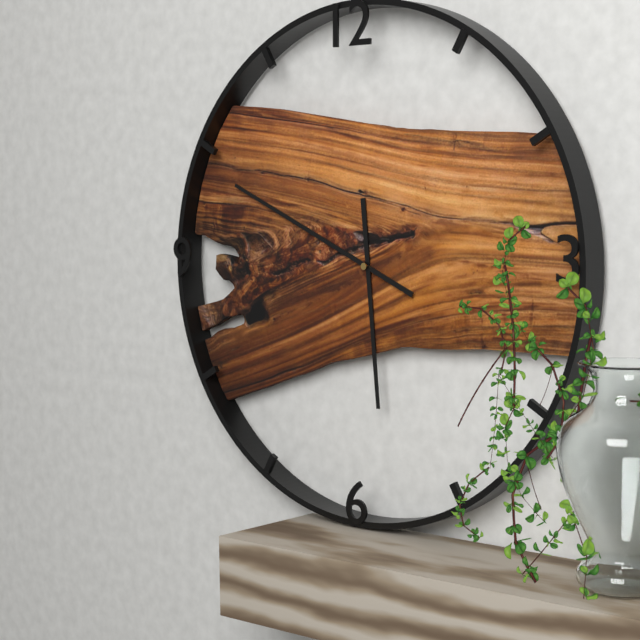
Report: 5:49
